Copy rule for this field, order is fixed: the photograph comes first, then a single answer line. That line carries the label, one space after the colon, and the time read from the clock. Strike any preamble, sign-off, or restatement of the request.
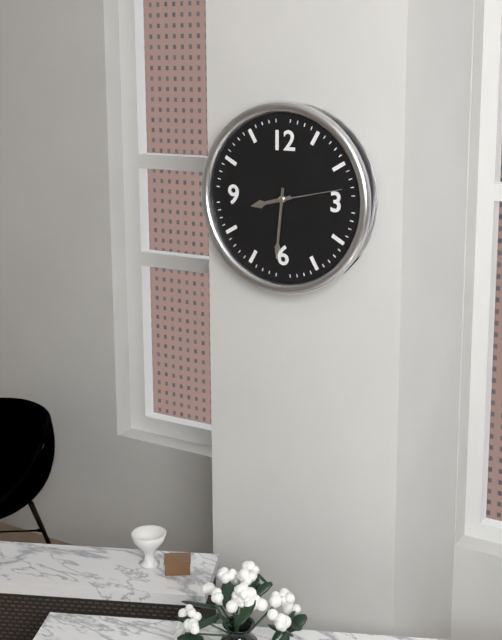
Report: 8:31:13
